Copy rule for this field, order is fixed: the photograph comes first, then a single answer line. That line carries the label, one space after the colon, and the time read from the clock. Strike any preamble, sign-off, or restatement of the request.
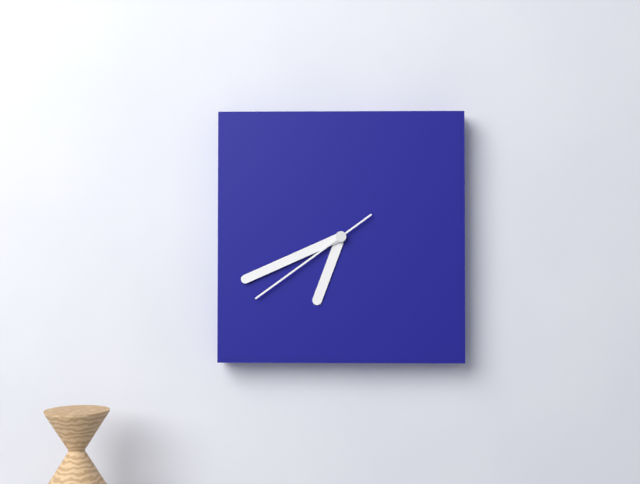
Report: 6:41:39
